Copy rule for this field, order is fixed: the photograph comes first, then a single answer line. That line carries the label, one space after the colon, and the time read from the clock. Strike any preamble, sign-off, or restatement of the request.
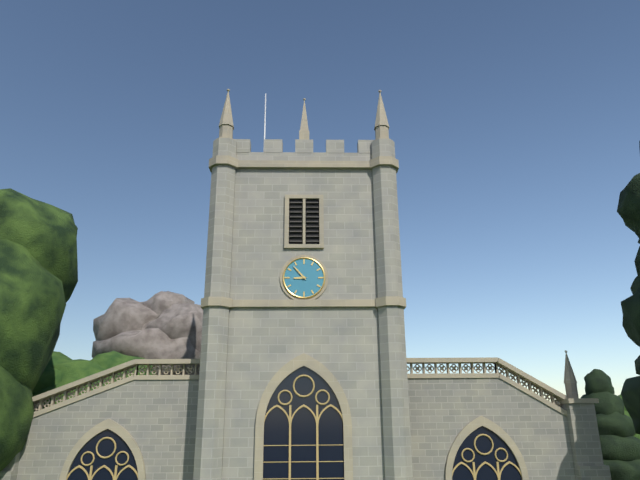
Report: 8:53
